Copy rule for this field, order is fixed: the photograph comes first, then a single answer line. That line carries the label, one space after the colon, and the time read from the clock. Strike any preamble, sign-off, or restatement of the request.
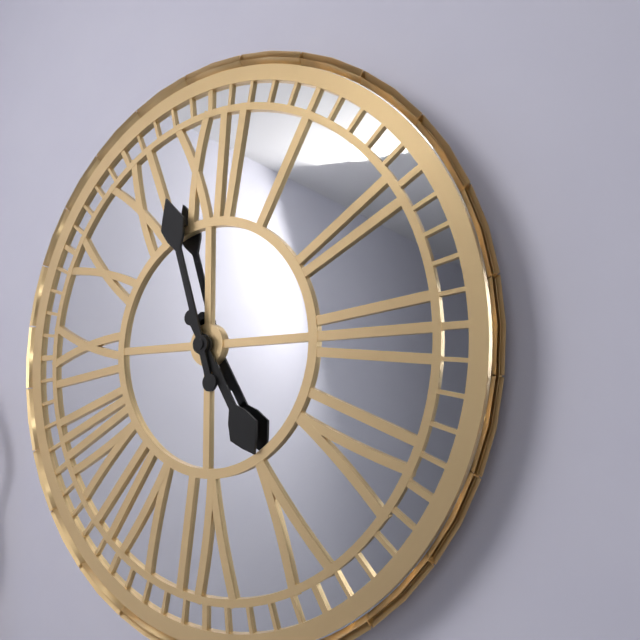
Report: 4:57
